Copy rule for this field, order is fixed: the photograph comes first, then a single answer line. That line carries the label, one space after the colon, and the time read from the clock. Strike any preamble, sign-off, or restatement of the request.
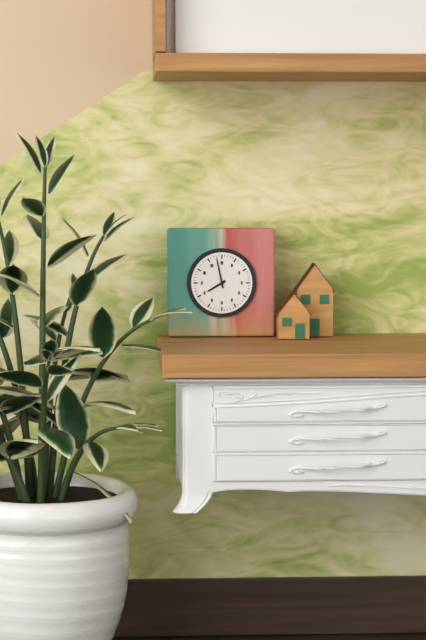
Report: 7:58
